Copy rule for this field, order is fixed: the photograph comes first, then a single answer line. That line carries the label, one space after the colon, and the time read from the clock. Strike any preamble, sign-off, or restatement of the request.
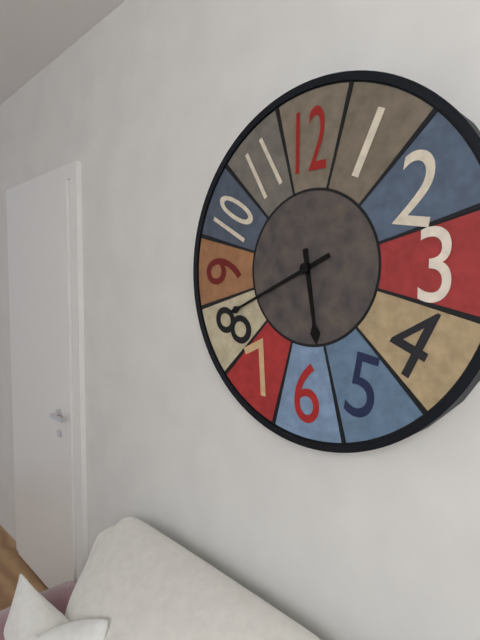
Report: 5:41
